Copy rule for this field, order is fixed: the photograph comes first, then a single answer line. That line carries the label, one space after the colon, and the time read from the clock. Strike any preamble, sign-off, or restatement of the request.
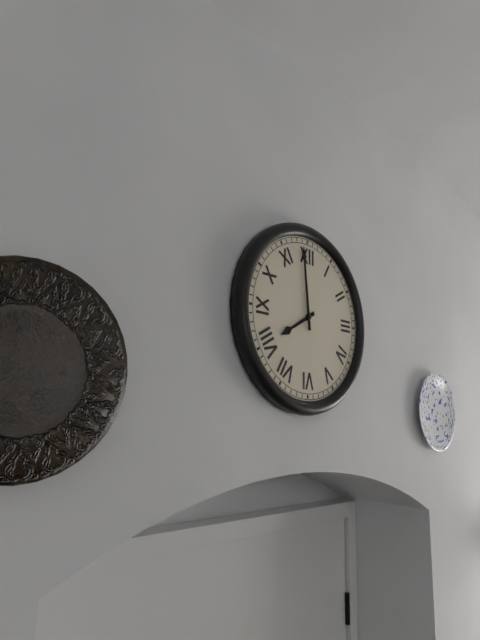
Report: 7:59
